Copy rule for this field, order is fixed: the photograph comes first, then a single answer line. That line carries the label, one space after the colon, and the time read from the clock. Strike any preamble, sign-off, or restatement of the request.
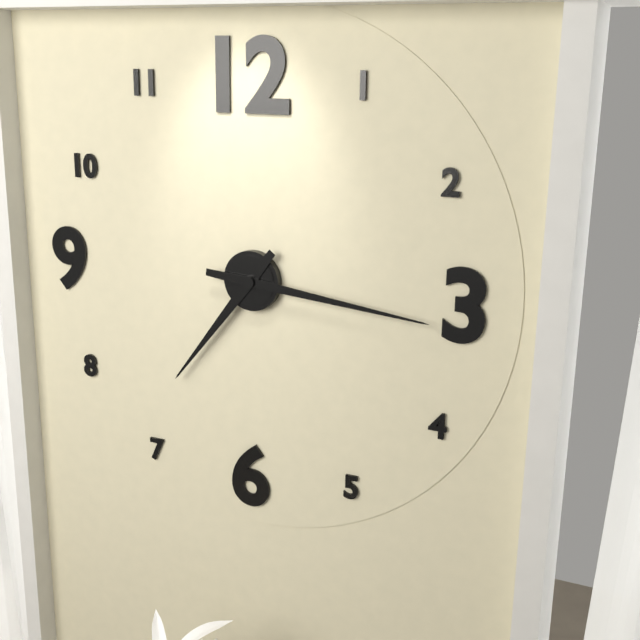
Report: 7:16
